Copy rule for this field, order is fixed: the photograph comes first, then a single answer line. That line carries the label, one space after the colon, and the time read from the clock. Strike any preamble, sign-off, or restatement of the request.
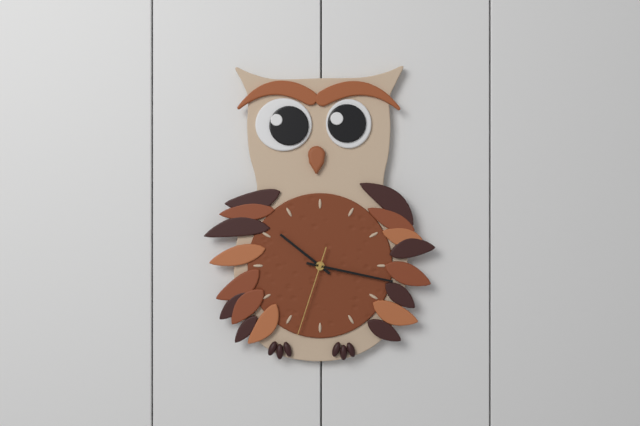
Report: 10:17:33
